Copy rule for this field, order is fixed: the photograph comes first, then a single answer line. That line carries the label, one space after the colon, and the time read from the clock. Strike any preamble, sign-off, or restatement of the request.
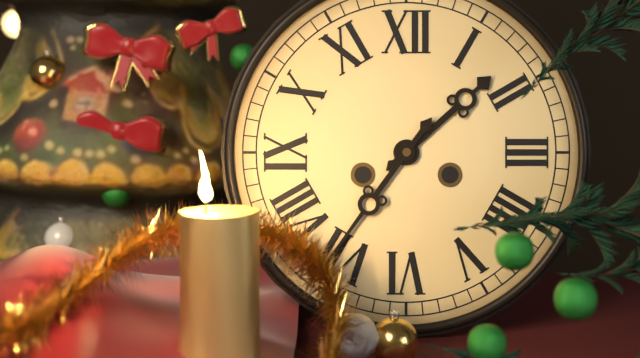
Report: 1:36
